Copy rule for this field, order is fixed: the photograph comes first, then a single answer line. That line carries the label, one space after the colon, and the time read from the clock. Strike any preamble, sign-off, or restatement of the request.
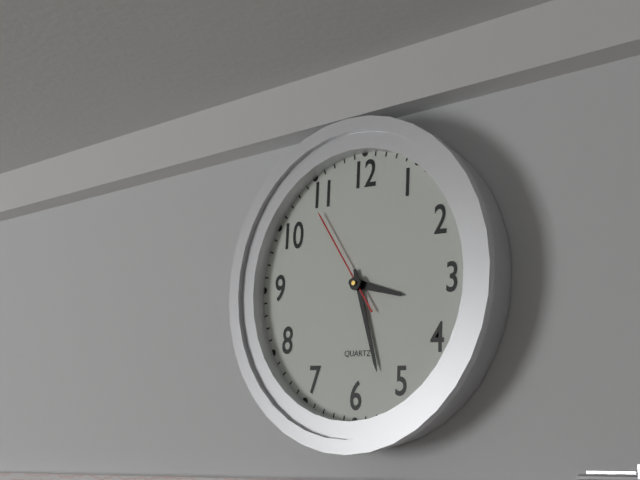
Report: 3:27:54
